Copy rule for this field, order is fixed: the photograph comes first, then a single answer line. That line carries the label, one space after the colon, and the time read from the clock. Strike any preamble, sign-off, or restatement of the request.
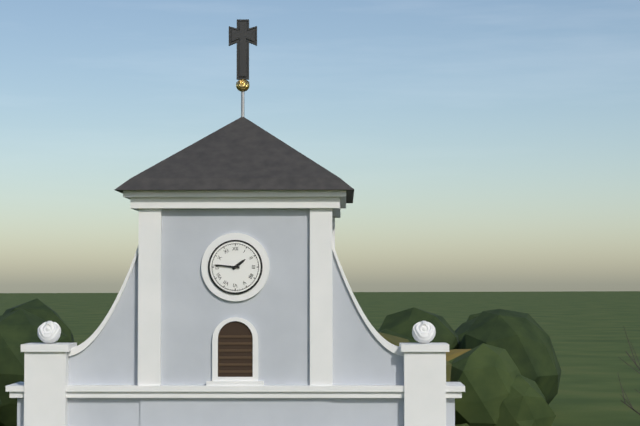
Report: 1:46
